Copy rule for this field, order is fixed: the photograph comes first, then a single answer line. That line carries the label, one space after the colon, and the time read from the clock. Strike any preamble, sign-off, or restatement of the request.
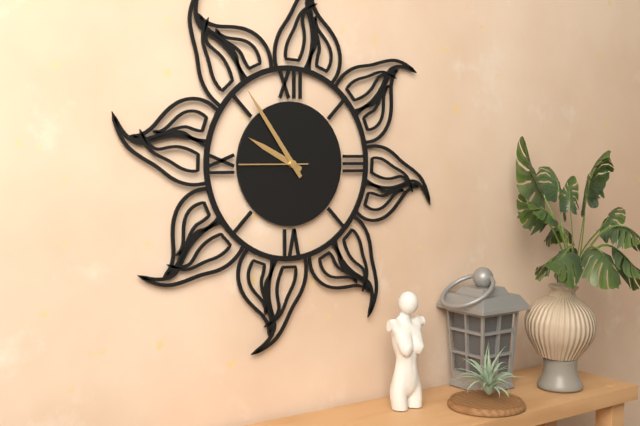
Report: 9:54:45
